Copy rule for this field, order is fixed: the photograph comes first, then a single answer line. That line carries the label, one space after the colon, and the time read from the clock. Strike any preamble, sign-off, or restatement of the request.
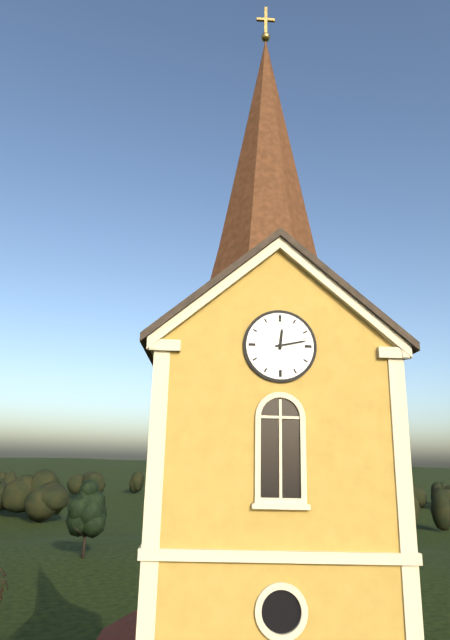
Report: 12:13
